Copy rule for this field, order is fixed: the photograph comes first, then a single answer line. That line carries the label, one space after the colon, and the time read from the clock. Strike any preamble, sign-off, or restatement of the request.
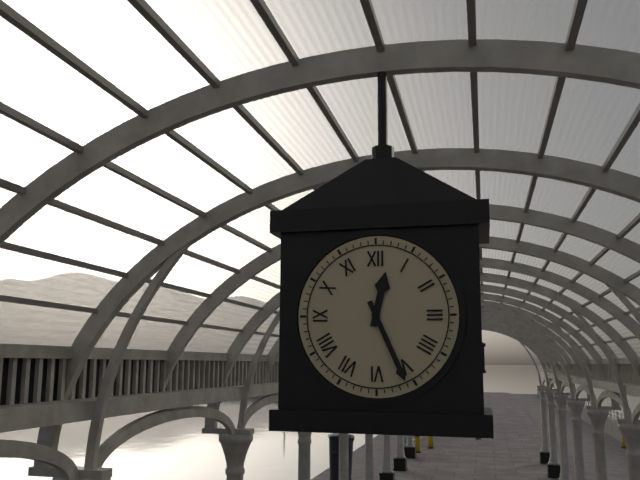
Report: 12:26
